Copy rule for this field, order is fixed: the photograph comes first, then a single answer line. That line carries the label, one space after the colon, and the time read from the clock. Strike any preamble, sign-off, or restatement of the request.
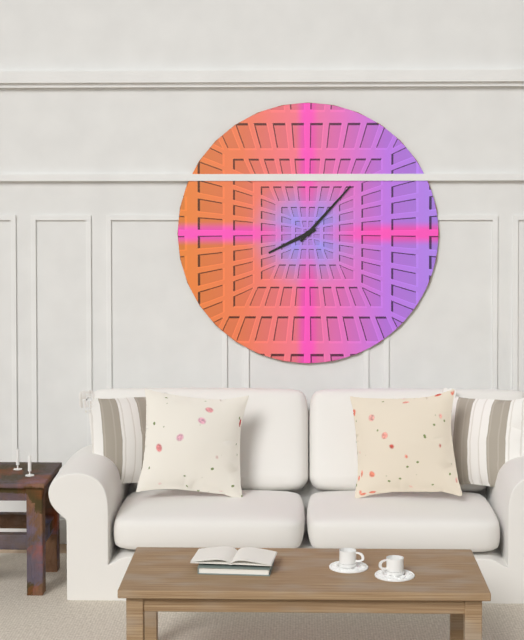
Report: 8:07
